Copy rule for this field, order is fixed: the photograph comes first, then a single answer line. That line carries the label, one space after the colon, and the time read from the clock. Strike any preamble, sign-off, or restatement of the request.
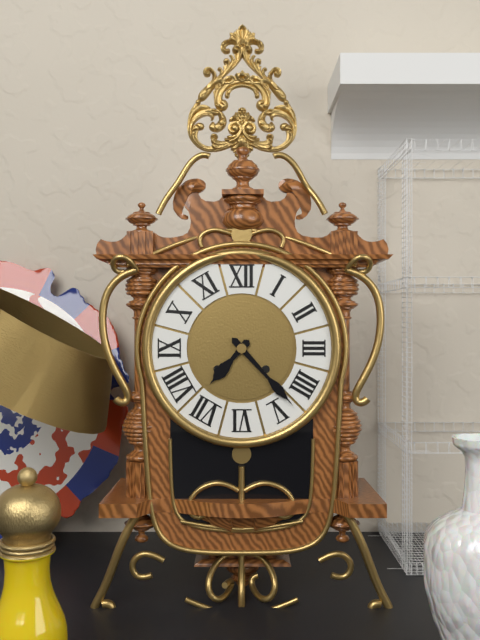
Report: 7:23
